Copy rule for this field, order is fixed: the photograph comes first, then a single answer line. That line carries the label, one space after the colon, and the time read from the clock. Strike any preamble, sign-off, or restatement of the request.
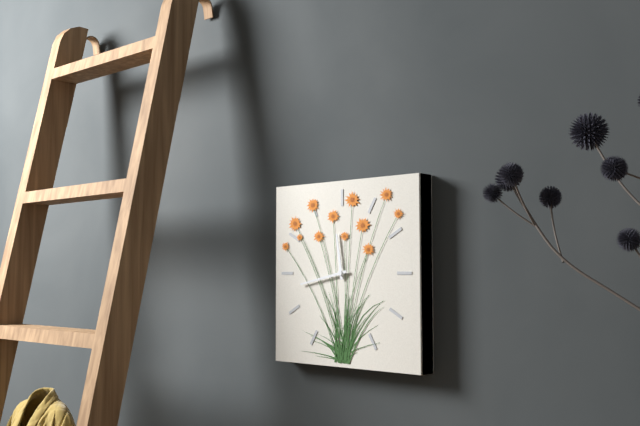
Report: 11:43
